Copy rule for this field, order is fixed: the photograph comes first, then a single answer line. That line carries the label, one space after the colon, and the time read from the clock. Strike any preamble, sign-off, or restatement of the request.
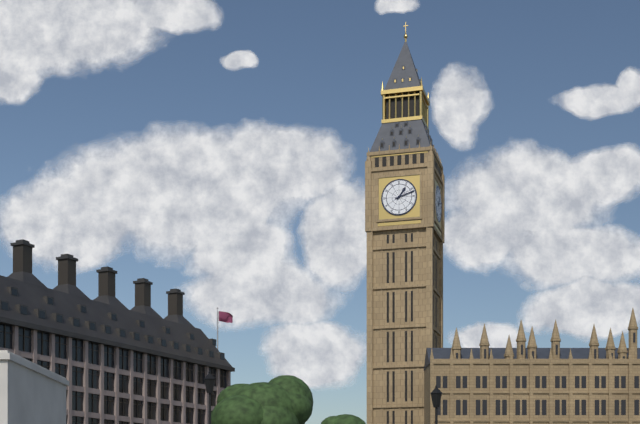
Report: 1:12
